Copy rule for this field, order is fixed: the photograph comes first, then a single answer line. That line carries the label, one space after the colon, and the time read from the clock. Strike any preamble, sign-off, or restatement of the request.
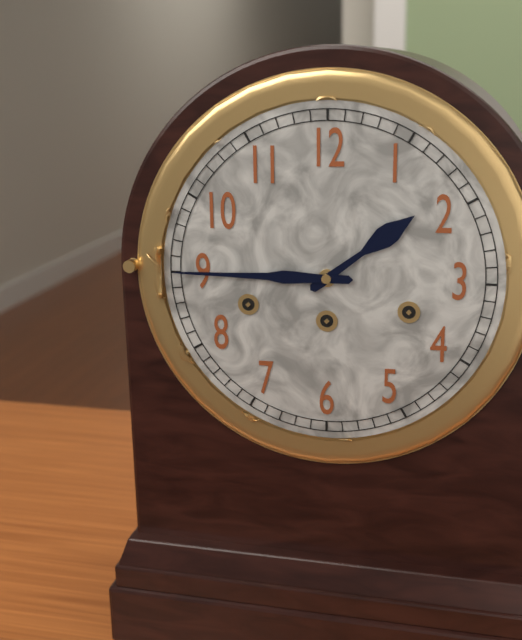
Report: 1:45
